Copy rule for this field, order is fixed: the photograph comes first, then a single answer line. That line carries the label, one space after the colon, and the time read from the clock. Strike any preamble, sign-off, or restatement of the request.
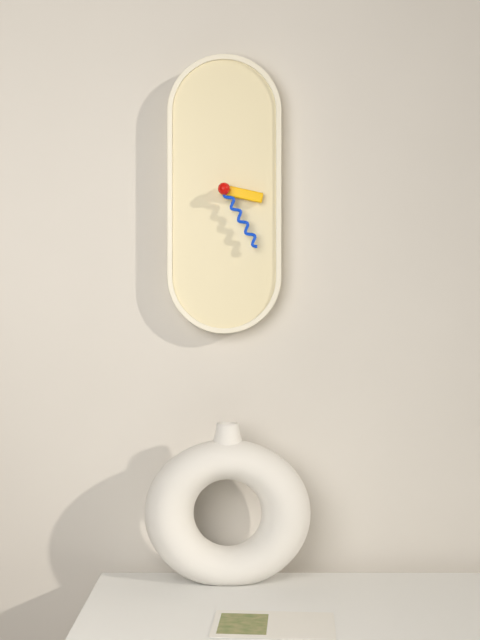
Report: 3:25
